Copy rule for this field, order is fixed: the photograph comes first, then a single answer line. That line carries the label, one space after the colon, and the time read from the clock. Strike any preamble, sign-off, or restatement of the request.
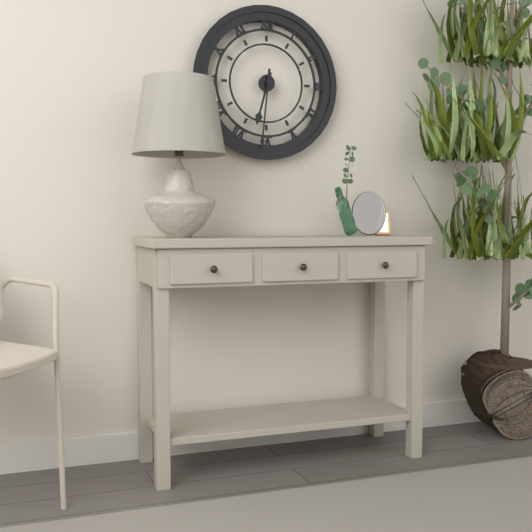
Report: 6:31
